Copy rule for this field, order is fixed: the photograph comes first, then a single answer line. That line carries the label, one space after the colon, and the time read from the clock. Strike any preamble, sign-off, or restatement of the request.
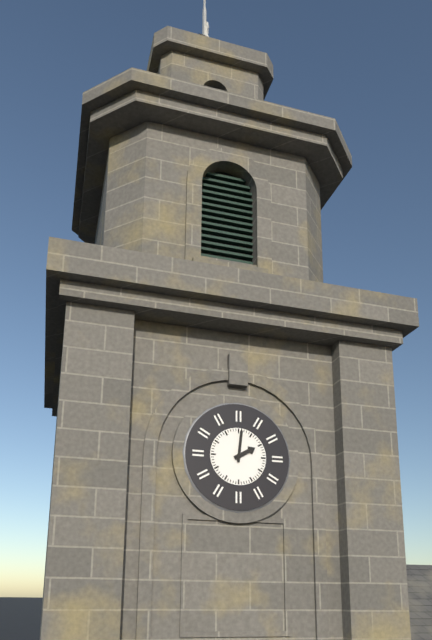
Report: 2:01
